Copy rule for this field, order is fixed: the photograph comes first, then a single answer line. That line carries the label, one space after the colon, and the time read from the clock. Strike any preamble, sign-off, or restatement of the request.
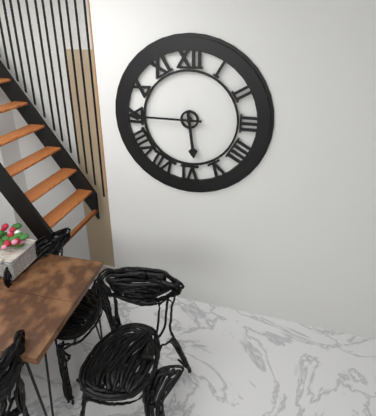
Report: 5:45
